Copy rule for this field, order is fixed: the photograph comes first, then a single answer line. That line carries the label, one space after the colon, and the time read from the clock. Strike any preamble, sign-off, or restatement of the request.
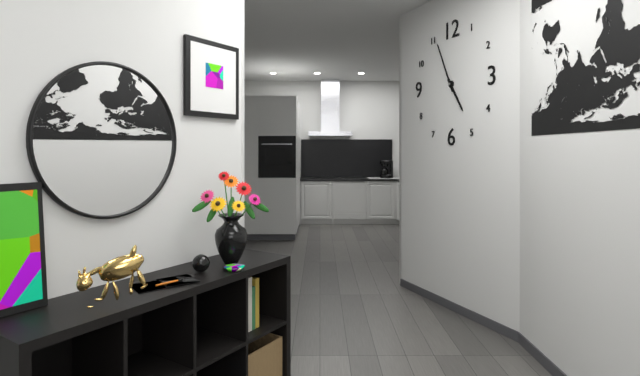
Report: 4:56
